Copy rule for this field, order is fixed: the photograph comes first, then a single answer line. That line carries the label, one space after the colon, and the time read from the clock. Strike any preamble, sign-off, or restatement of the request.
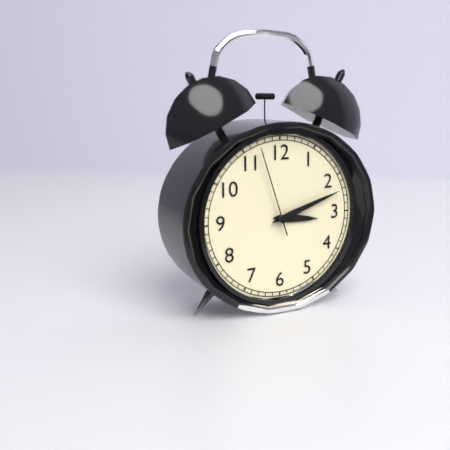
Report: 3:12:57
